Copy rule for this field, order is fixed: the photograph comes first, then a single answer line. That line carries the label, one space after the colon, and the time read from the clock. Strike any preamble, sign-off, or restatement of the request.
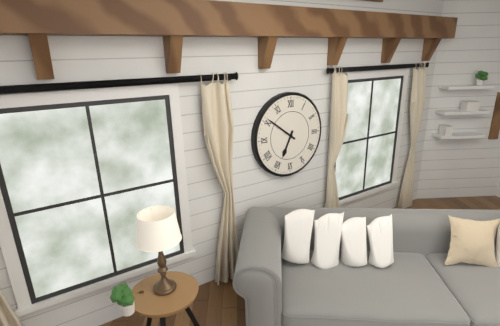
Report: 6:51
